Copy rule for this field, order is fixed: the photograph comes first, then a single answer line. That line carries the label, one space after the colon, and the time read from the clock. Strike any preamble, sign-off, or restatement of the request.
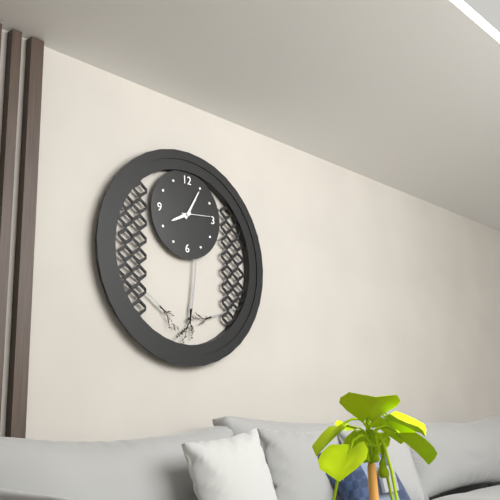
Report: 8:05
